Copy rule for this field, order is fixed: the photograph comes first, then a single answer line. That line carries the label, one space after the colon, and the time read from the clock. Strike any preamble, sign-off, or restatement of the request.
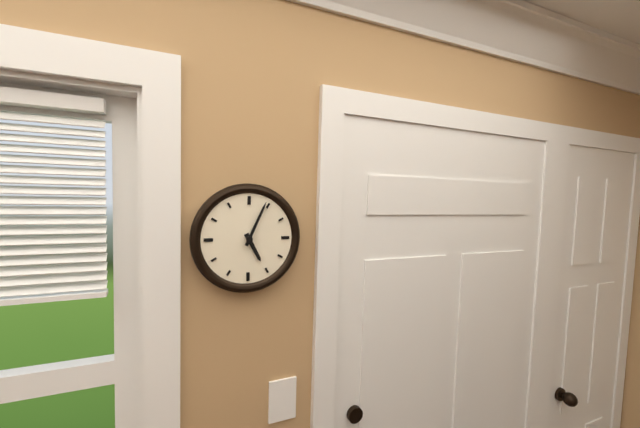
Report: 5:04
